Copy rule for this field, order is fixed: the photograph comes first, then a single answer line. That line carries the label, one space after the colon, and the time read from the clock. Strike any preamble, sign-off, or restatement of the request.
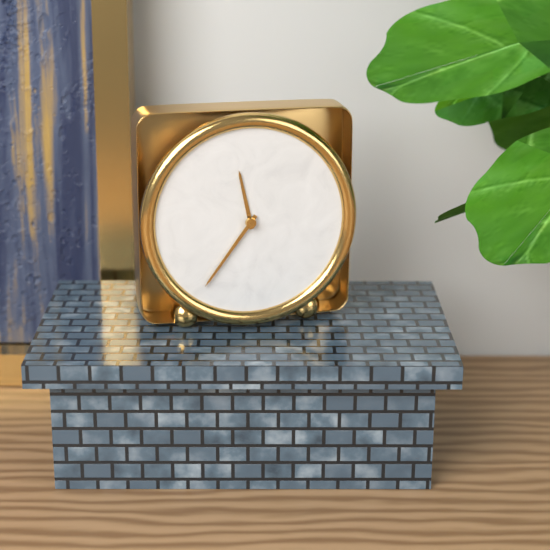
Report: 11:36
